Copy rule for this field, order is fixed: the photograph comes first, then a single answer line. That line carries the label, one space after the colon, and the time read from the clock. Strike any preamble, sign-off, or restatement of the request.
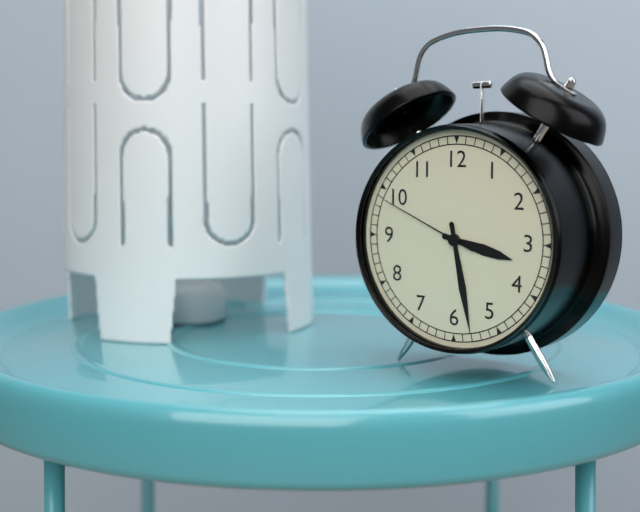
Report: 3:28:49
